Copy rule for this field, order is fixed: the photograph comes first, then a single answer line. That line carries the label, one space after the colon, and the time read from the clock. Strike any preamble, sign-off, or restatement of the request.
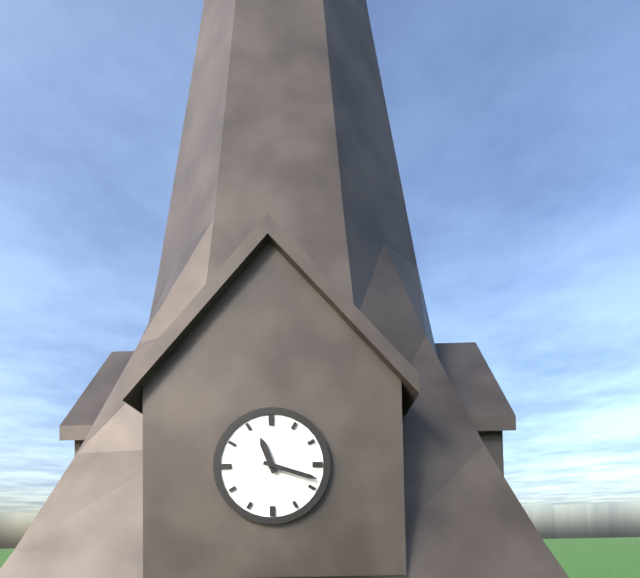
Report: 11:18
